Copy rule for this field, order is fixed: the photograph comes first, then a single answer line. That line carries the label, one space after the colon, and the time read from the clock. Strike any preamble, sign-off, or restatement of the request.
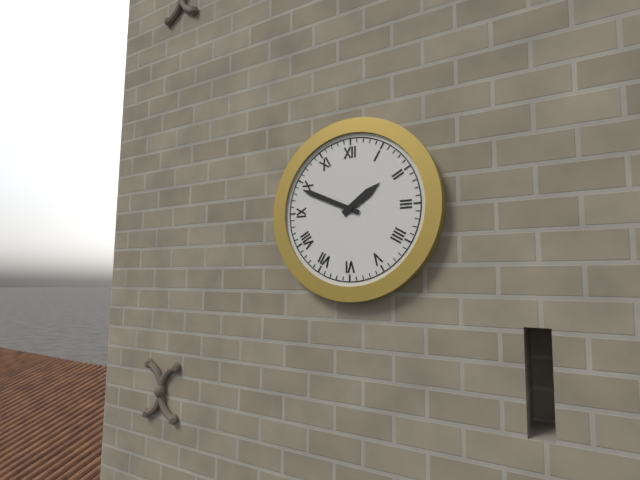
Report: 1:49
